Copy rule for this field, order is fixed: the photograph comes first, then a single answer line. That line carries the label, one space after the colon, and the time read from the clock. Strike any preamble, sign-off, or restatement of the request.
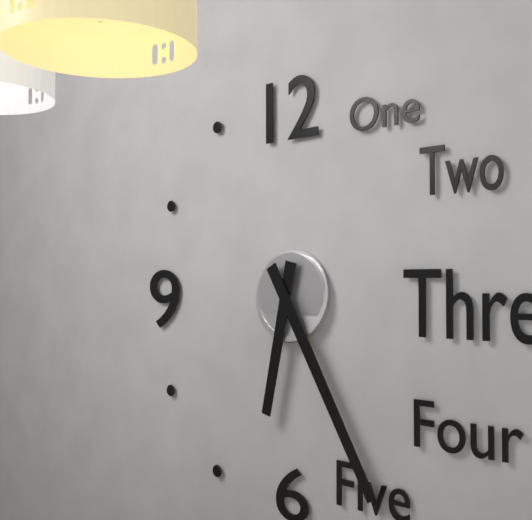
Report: 6:25
